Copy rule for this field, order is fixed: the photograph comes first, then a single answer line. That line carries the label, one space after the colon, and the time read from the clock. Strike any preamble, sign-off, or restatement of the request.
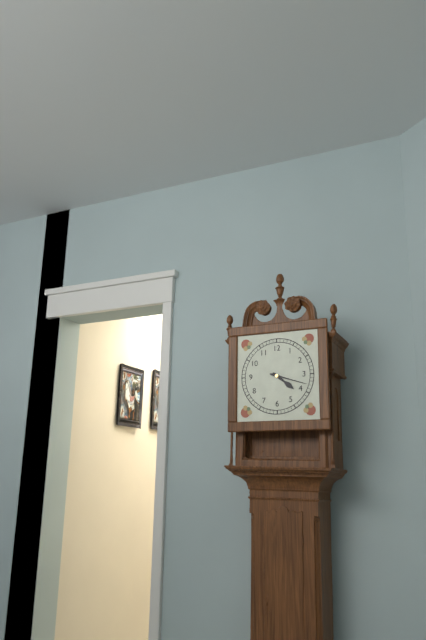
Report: 4:18
